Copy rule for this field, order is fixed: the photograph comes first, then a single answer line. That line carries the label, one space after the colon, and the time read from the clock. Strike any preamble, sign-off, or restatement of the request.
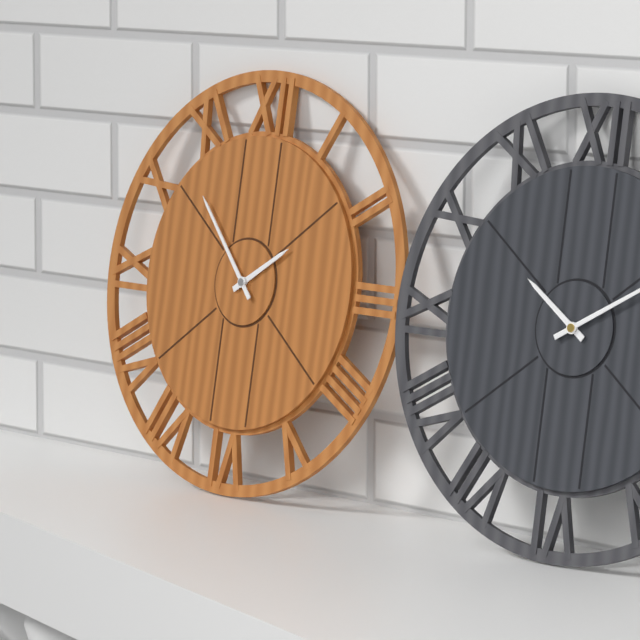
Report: 1:53
